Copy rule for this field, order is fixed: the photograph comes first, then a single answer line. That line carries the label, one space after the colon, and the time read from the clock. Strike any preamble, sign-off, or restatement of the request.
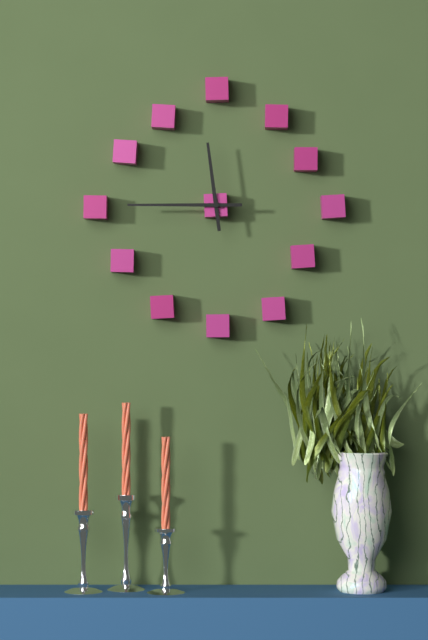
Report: 11:45
